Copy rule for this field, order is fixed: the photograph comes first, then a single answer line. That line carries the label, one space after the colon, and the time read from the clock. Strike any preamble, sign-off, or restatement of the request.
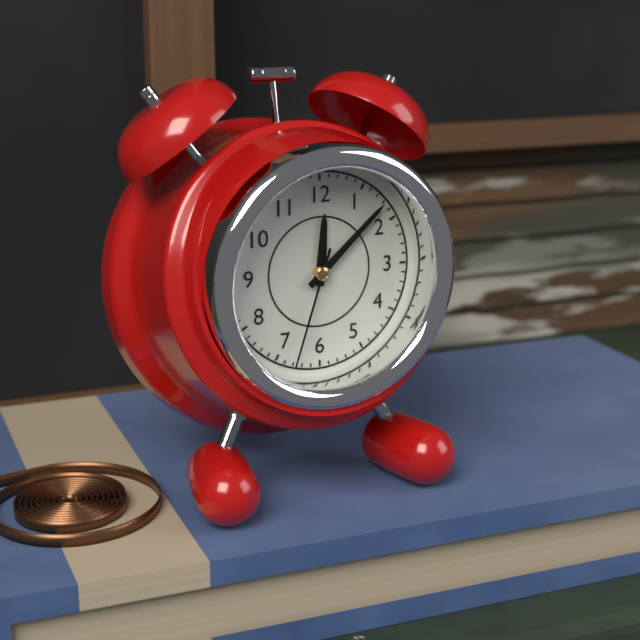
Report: 12:08:33
